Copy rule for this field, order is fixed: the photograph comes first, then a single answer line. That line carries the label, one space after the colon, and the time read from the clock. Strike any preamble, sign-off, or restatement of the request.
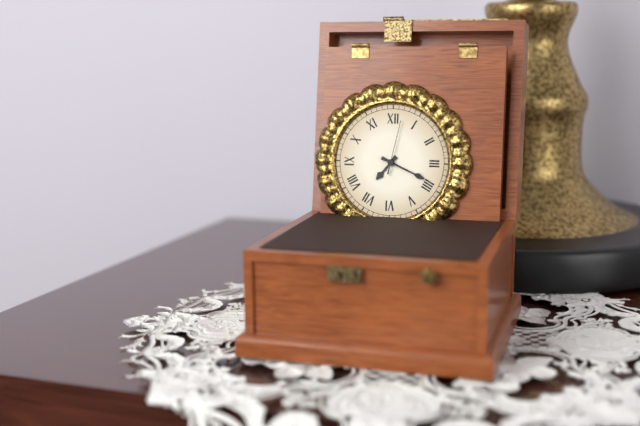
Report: 7:19:02
